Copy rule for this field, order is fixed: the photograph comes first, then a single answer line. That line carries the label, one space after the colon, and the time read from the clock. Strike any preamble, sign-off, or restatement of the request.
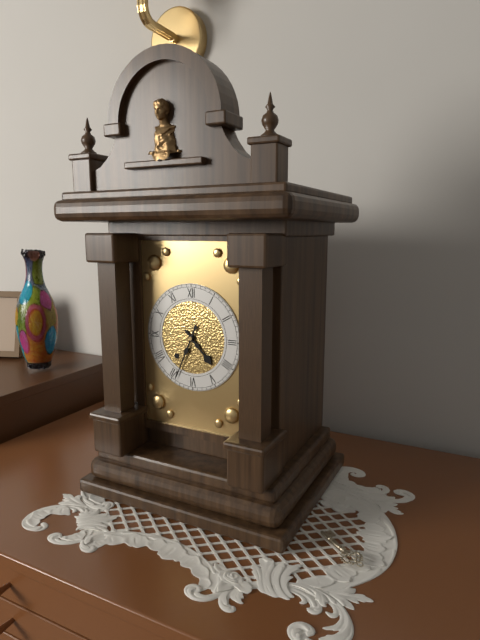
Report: 4:34
